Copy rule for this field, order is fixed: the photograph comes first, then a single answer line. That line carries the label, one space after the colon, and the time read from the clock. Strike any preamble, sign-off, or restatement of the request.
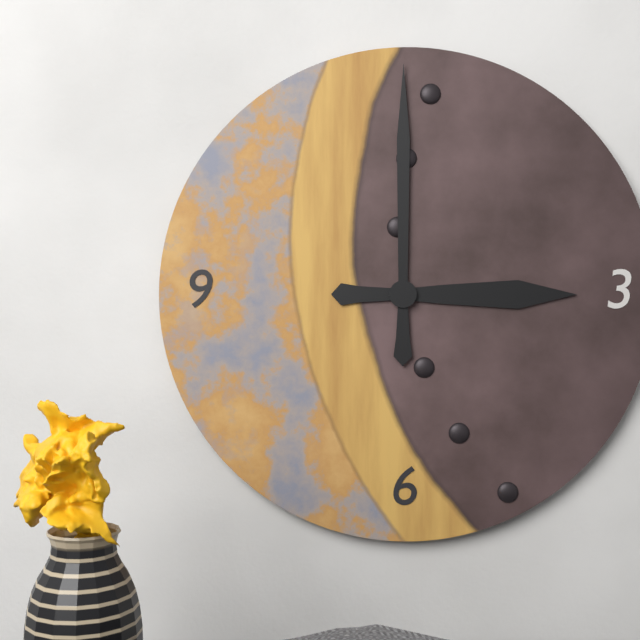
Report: 3:00
